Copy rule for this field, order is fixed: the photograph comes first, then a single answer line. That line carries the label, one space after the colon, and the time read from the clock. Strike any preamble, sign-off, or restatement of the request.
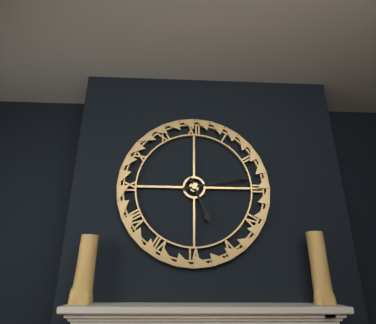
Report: 5:13
